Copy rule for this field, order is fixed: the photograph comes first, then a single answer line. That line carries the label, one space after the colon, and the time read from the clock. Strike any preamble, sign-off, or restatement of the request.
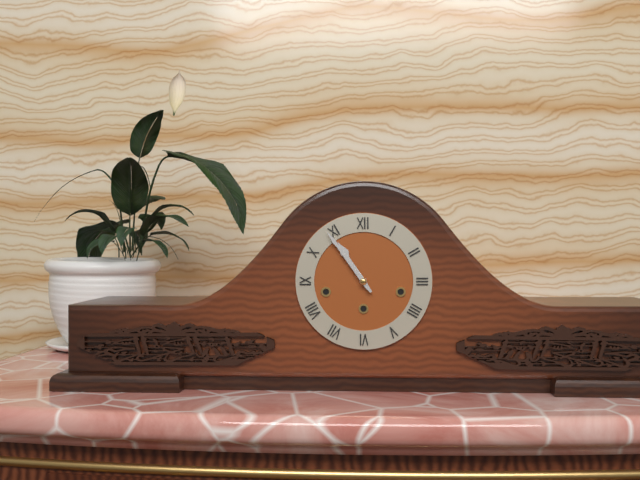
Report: 10:54
